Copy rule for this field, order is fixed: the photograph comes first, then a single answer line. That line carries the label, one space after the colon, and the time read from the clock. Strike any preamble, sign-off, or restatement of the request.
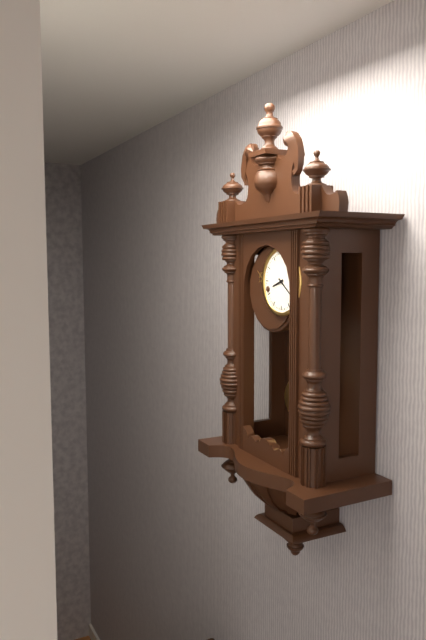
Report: 8:21
